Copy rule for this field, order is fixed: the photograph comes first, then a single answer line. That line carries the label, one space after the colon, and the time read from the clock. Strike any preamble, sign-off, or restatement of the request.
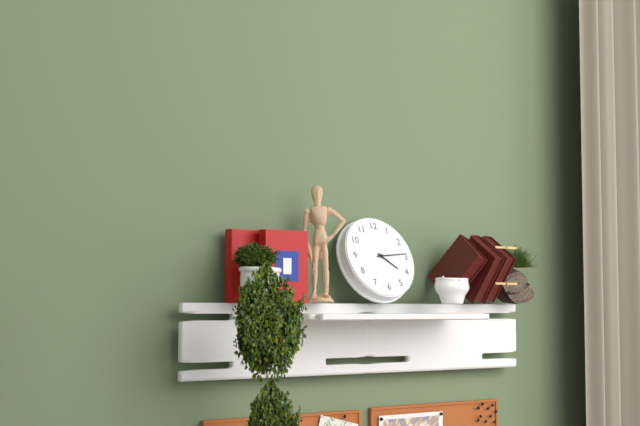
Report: 4:14
